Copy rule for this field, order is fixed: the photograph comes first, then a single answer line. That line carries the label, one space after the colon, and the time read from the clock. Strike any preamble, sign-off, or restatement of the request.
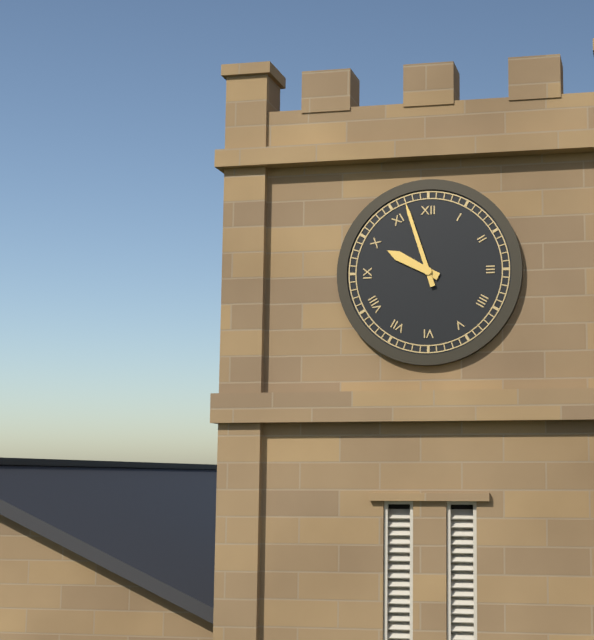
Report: 9:57
